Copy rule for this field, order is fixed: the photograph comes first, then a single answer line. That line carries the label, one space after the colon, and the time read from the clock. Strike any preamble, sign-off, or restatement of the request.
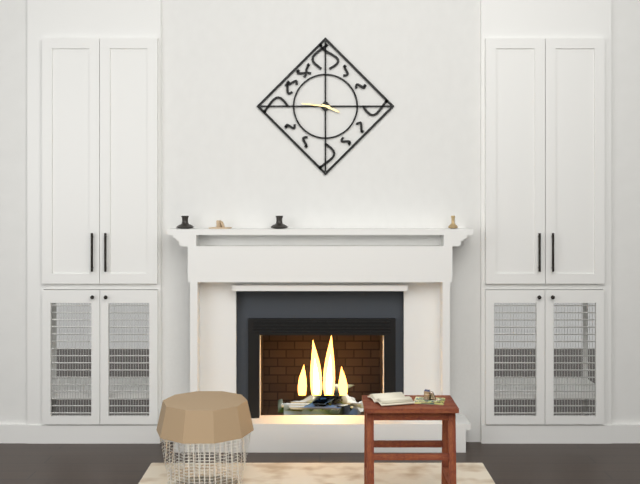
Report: 3:46
